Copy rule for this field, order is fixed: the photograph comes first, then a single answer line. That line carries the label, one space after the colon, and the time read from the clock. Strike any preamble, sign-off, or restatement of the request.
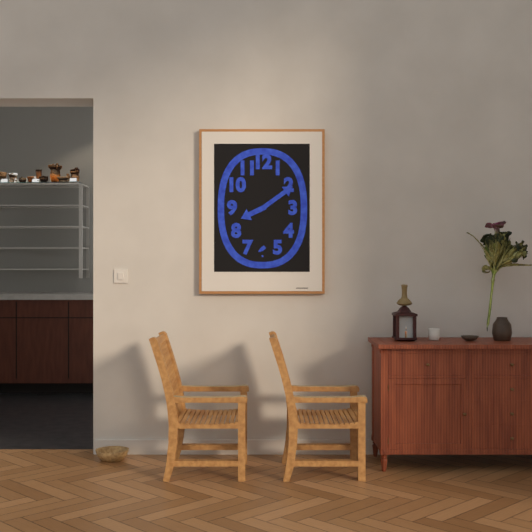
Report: 8:09
